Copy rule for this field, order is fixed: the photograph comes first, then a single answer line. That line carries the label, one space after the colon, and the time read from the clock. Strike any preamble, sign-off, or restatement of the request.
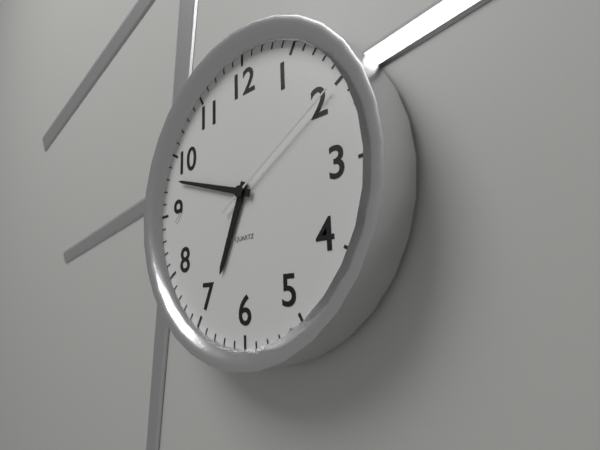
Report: 6:48:10
